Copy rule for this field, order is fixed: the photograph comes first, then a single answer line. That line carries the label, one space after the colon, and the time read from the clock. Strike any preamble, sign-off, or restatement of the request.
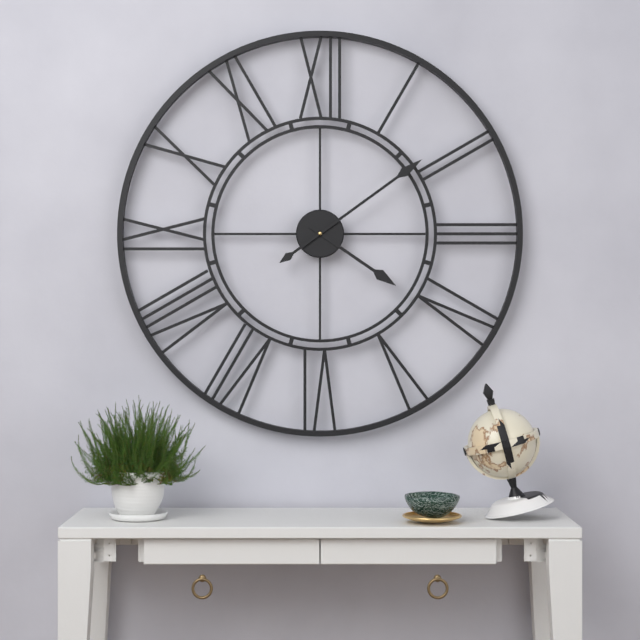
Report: 4:09
